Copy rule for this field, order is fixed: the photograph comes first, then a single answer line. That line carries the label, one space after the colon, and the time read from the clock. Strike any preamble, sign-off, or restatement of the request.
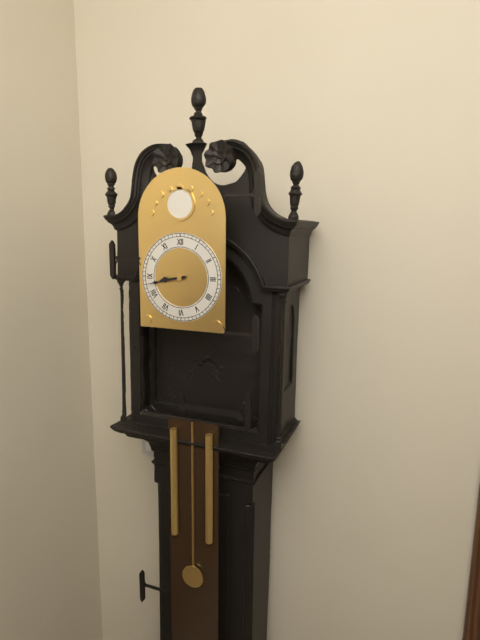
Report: 8:43
